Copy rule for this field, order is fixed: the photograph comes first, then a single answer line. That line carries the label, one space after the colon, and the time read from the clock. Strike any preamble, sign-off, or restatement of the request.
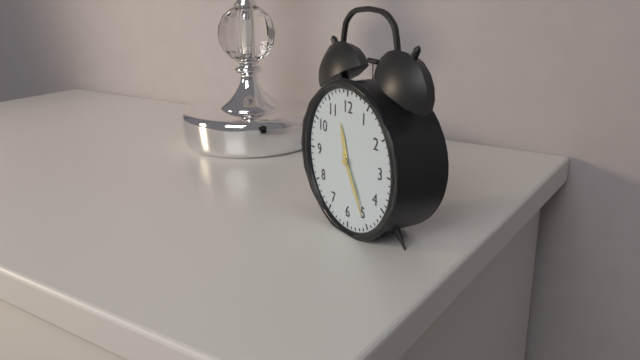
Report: 11:25
